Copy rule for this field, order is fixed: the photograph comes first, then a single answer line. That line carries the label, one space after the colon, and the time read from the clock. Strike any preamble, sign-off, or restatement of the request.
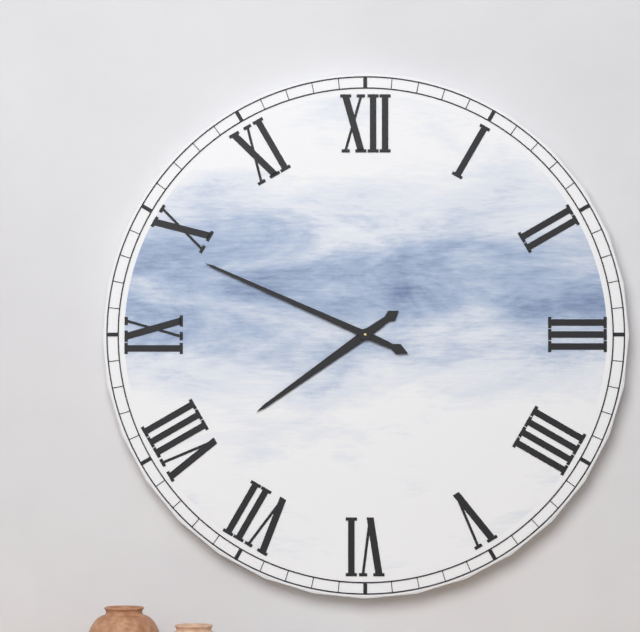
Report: 7:49
